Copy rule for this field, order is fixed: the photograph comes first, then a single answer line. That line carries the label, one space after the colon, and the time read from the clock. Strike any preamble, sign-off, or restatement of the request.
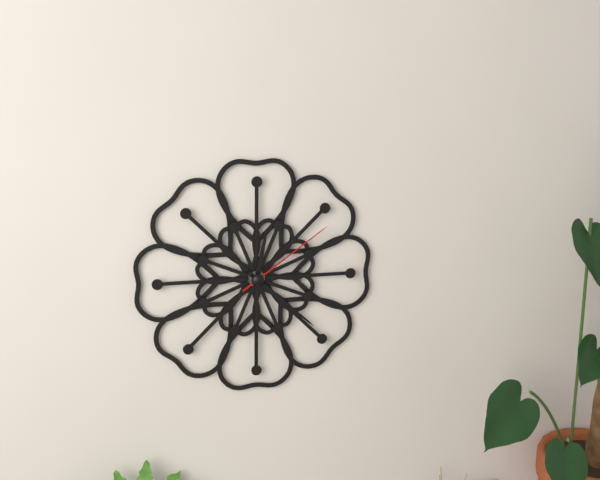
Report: 12:22:09
